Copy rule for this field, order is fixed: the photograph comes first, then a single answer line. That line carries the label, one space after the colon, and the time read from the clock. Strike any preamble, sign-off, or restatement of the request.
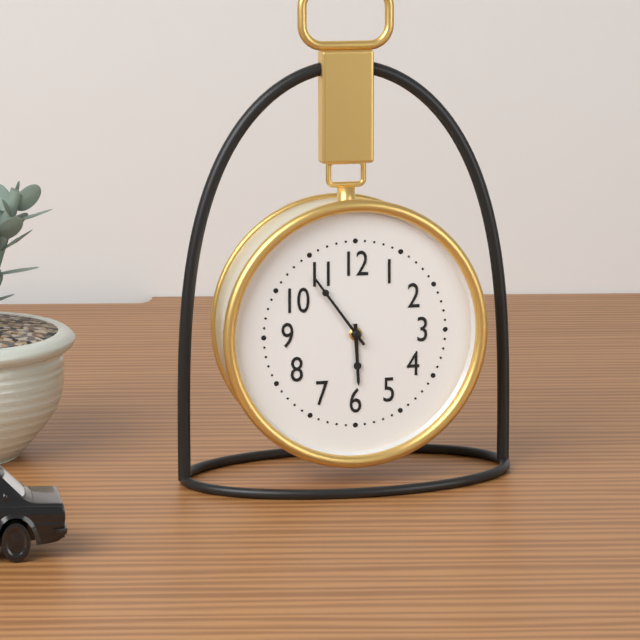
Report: 5:54
